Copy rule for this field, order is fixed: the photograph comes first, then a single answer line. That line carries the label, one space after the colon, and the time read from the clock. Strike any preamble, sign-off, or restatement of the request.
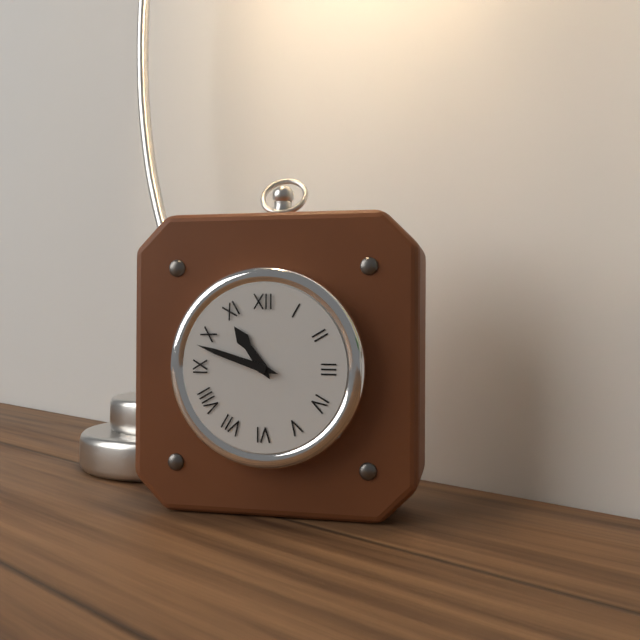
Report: 10:48
